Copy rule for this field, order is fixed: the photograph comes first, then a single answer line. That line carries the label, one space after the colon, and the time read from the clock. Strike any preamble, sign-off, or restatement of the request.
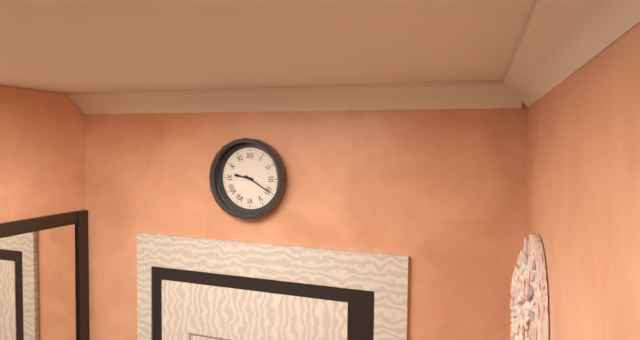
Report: 9:20
